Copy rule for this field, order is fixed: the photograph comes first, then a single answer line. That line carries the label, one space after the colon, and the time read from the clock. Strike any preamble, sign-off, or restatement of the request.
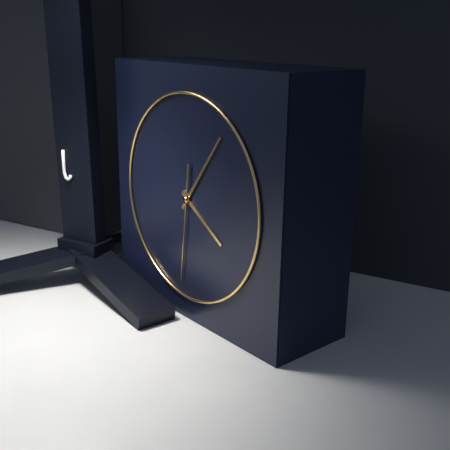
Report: 4:06:31
